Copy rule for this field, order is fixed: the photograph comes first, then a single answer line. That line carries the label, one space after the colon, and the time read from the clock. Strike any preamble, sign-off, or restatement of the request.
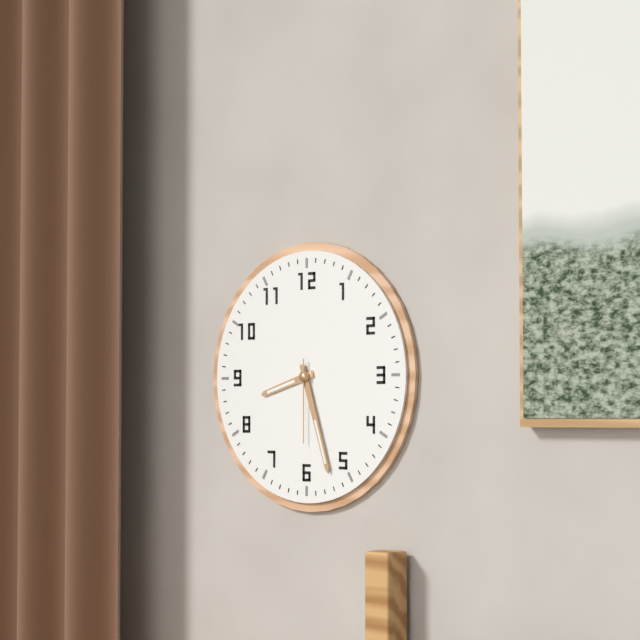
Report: 8:27:30
